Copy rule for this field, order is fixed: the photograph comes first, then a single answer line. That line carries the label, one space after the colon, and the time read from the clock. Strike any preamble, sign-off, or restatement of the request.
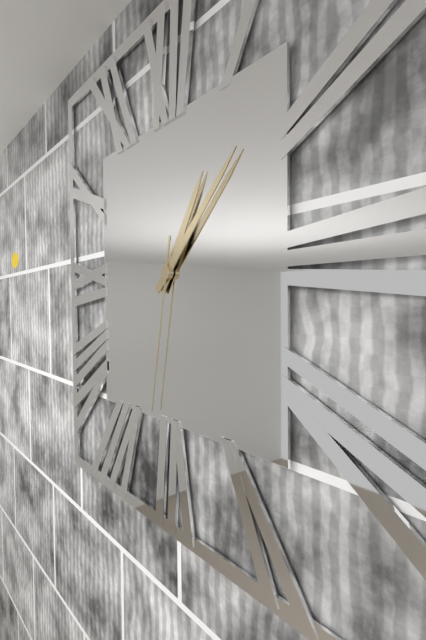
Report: 1:08:32
